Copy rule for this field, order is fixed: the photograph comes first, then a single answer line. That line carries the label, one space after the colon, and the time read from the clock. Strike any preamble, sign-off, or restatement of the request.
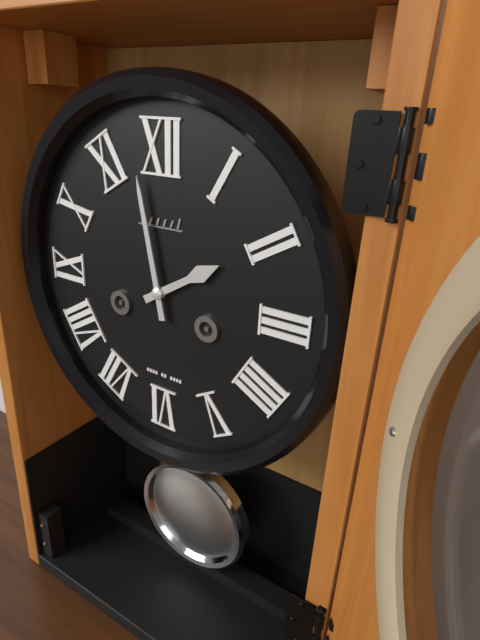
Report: 1:58
